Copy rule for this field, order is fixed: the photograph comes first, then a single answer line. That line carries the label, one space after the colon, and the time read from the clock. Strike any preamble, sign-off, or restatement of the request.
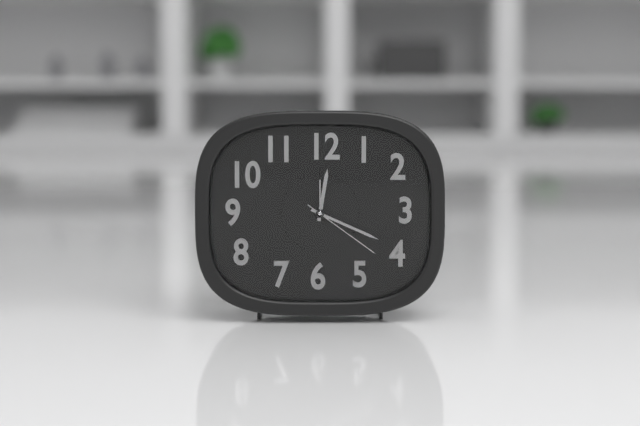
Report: 12:19:21
